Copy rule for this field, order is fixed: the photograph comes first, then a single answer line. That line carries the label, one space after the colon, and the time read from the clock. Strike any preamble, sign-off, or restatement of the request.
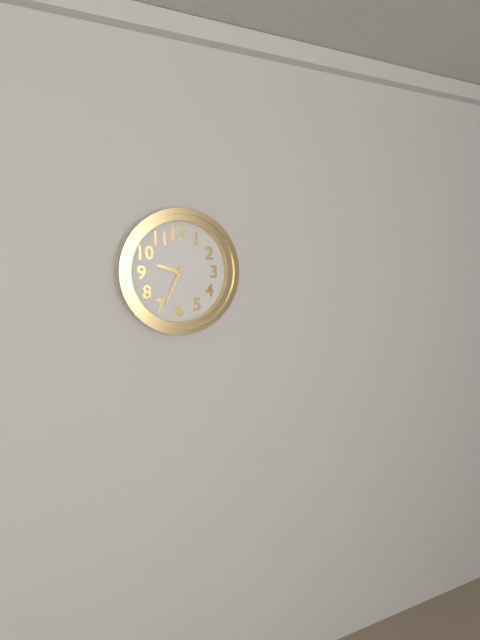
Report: 9:34
